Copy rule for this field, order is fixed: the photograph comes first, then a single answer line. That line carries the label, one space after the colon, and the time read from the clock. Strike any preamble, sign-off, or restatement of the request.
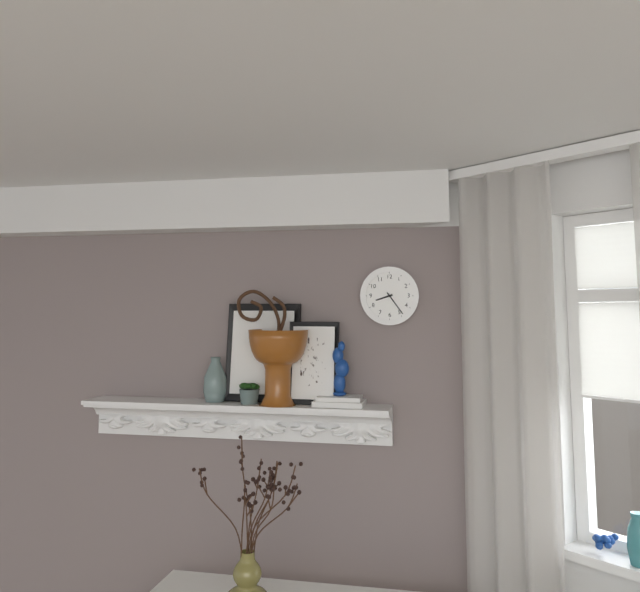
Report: 8:24
